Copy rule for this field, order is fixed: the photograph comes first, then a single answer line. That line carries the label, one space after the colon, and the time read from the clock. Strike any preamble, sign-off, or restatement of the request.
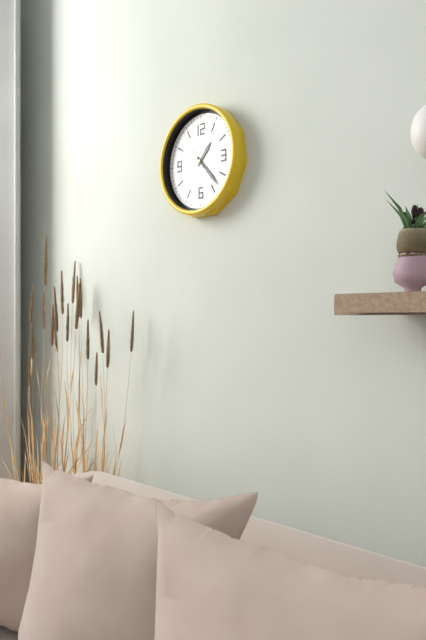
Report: 1:23
